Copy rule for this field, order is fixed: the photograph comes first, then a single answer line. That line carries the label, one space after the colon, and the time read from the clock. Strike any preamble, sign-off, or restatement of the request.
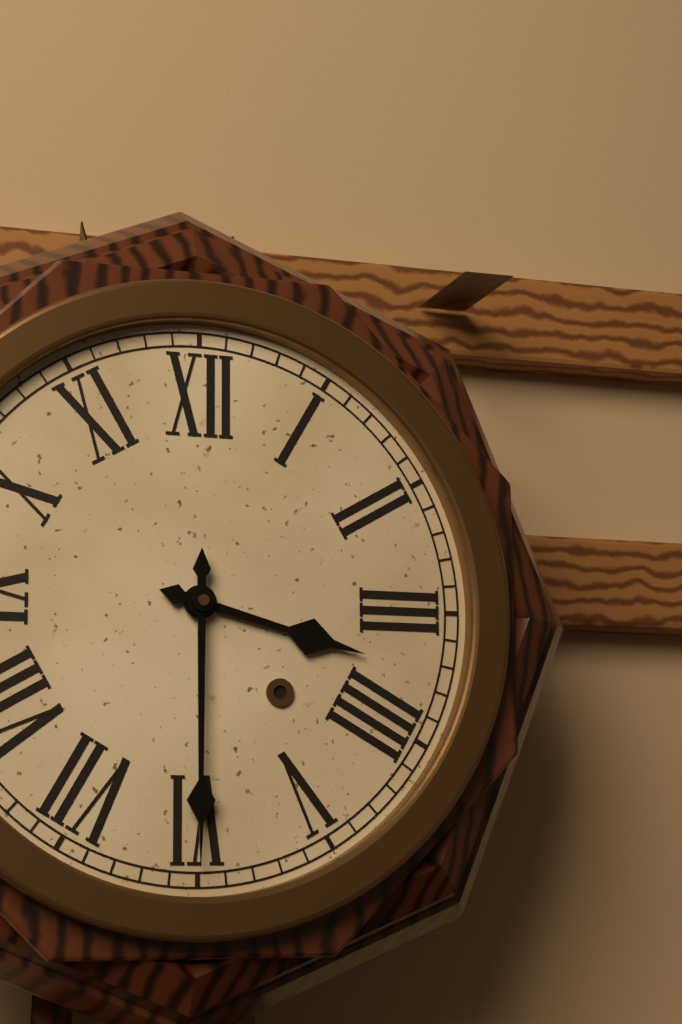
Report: 3:30
